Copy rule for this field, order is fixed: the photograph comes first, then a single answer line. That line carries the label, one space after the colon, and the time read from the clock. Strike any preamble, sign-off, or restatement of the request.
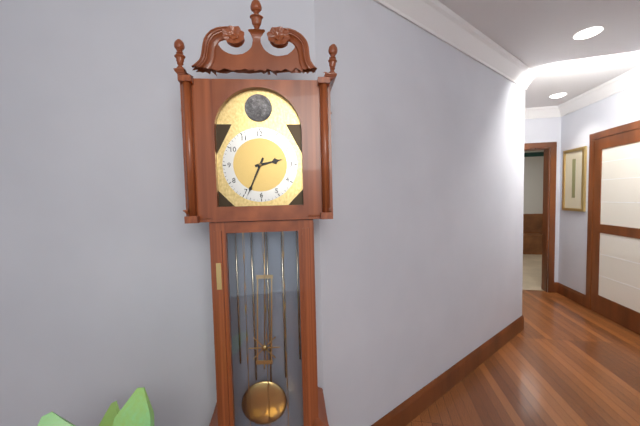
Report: 2:34
